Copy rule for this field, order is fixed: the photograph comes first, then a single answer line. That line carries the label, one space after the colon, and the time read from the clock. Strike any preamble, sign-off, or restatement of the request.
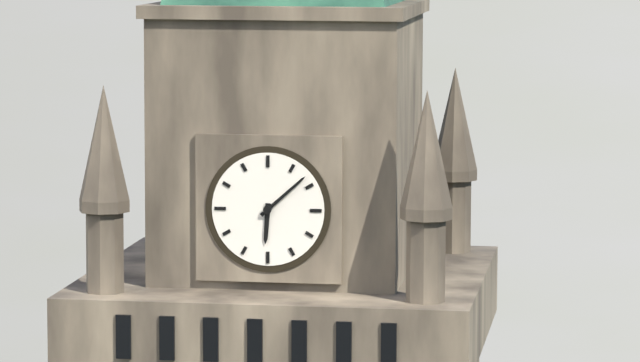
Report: 6:08
